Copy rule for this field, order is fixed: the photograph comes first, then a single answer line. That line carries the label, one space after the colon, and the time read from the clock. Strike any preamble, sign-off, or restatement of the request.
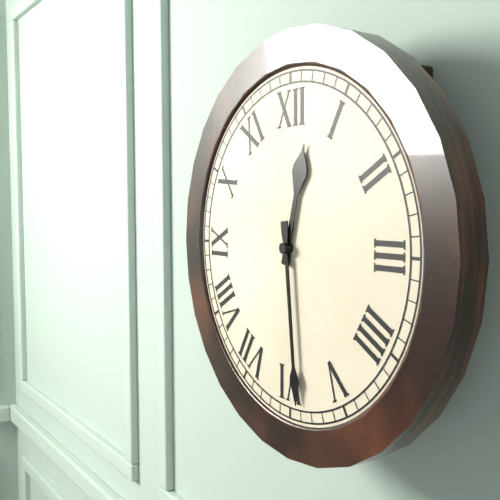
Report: 12:29
